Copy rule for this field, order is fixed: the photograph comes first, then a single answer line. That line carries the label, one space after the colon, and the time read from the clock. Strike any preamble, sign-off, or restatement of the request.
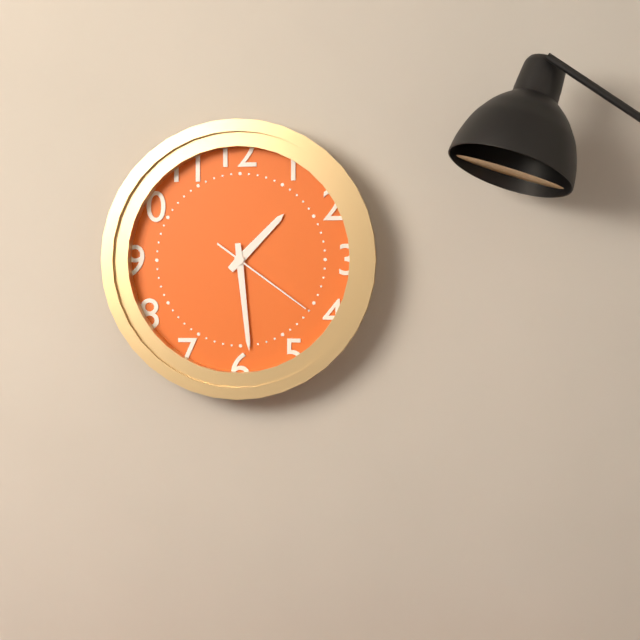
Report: 1:29:21
